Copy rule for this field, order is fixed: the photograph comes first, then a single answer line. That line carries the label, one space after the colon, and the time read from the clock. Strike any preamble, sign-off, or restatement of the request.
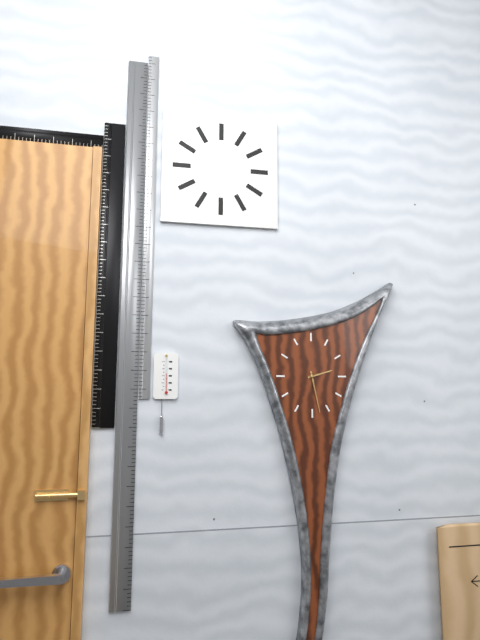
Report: 2:28
